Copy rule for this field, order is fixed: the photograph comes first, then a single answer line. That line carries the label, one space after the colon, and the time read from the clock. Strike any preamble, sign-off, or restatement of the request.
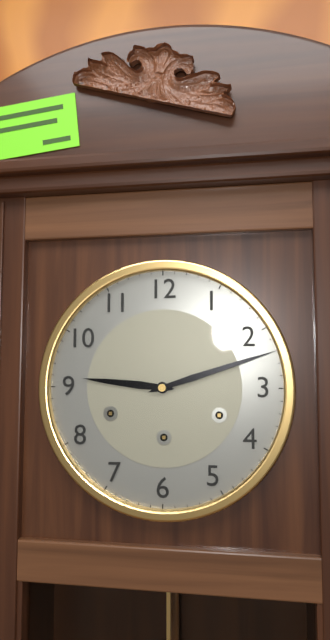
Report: 9:12
